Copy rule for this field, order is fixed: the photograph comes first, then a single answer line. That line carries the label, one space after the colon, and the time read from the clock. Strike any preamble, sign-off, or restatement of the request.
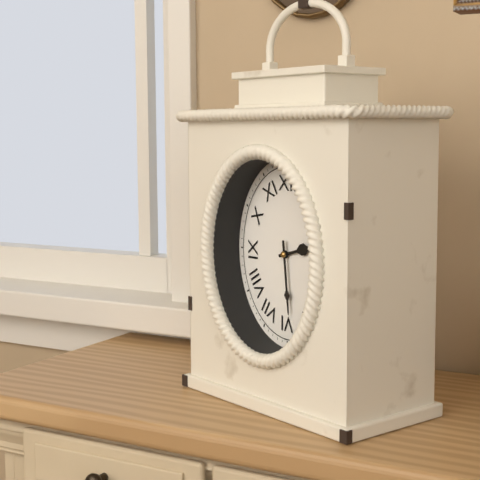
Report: 2:29
